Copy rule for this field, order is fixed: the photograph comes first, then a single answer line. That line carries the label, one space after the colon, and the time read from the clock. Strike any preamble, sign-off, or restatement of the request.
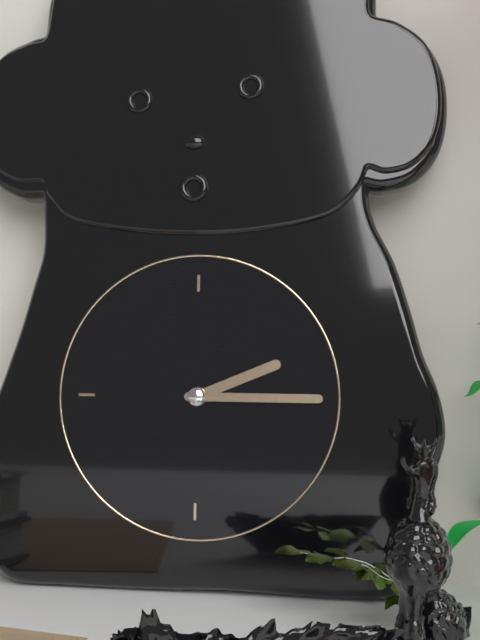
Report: 2:15
